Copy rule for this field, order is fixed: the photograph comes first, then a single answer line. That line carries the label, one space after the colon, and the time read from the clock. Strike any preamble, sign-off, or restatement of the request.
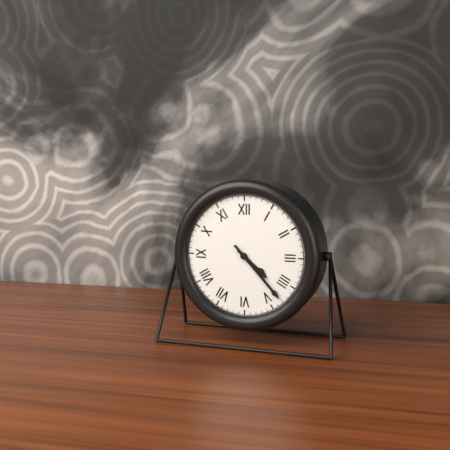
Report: 4:23
